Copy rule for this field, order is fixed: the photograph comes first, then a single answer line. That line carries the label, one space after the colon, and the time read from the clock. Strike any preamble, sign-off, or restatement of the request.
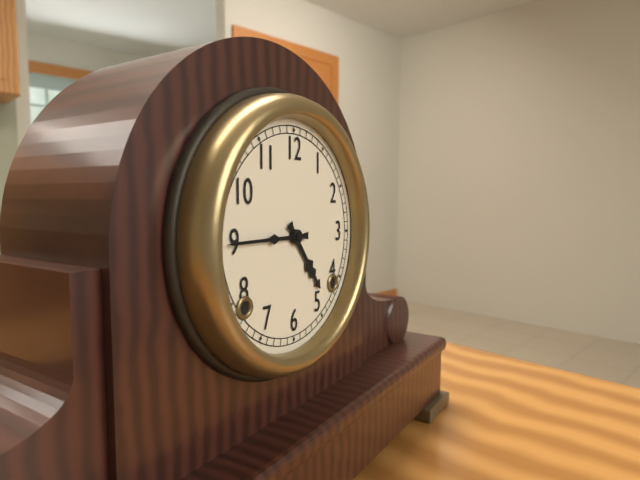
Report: 4:45
